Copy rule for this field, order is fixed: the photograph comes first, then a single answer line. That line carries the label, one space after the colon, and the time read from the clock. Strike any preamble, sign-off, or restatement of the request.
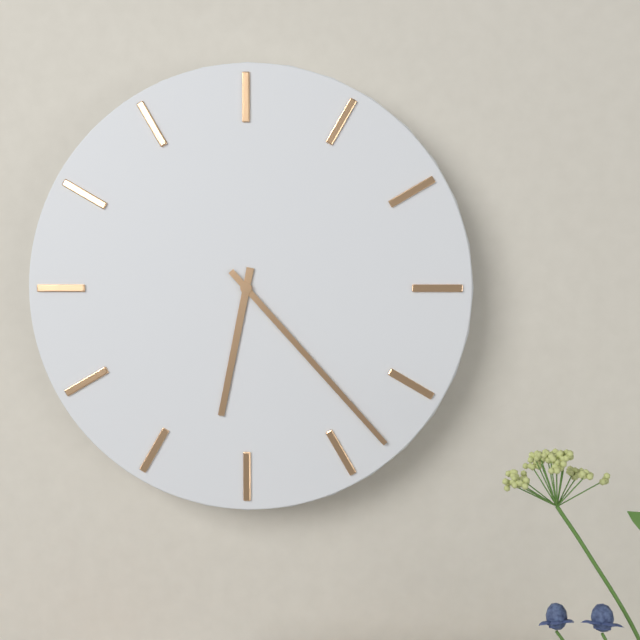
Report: 6:23
